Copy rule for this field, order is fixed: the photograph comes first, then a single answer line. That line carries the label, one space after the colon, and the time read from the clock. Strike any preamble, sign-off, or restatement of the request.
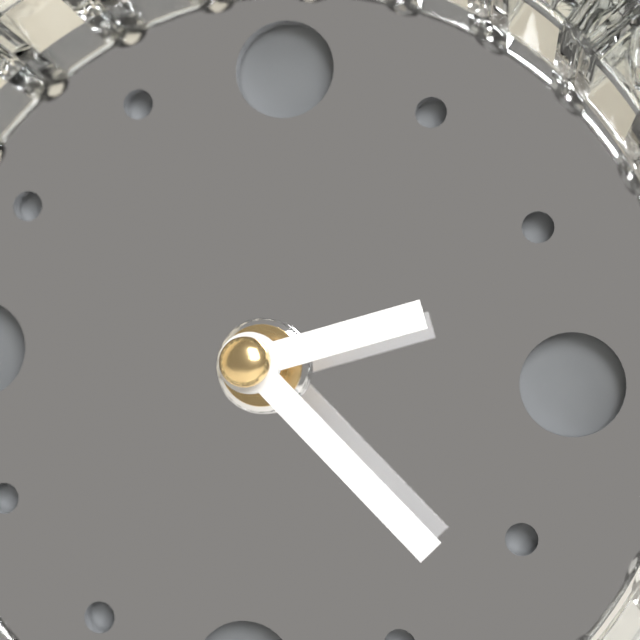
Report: 2:22
